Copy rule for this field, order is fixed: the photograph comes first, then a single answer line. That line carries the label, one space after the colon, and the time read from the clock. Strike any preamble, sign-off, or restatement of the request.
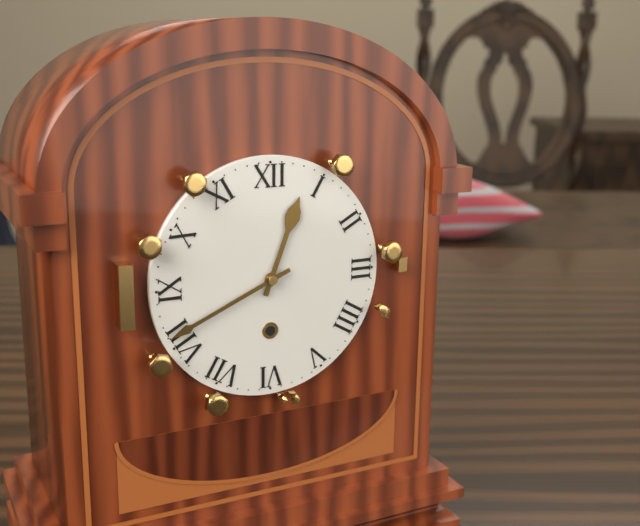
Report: 12:41
